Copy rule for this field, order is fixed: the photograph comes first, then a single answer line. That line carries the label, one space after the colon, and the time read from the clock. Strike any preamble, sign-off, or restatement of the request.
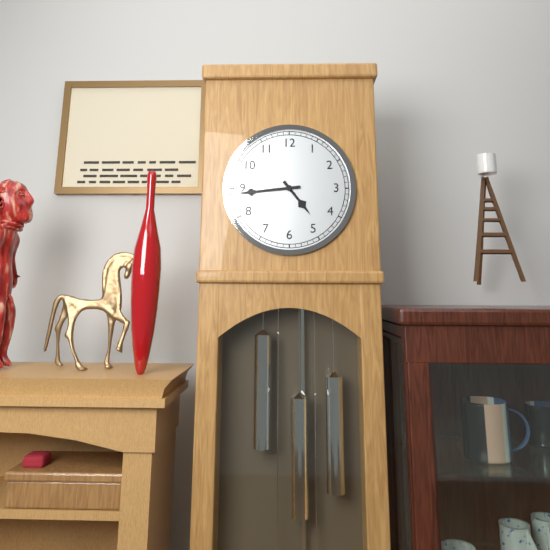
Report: 4:44
